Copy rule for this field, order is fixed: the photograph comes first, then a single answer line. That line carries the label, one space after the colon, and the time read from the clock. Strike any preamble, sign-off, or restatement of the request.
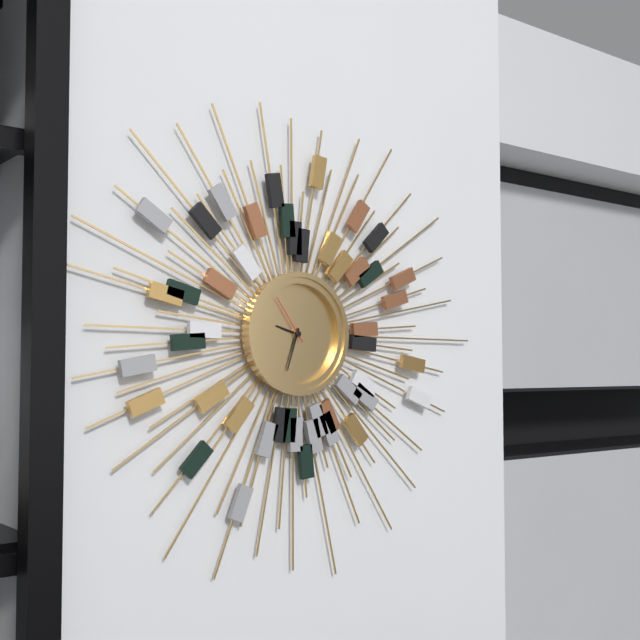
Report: 9:33:54
